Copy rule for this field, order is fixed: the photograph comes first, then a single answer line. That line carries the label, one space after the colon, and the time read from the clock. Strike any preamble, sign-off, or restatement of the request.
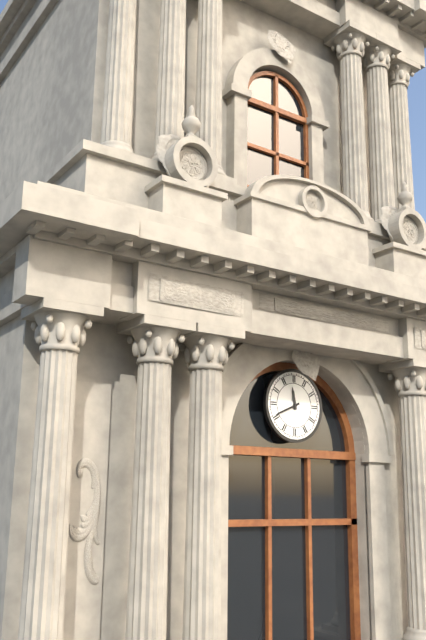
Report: 11:41
